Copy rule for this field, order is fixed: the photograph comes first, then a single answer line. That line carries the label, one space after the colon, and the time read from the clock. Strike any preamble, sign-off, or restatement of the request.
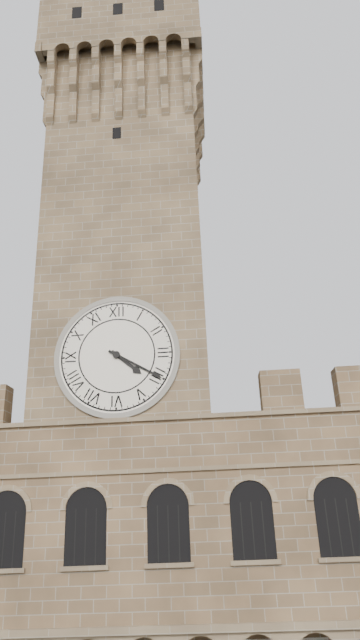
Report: 4:20
